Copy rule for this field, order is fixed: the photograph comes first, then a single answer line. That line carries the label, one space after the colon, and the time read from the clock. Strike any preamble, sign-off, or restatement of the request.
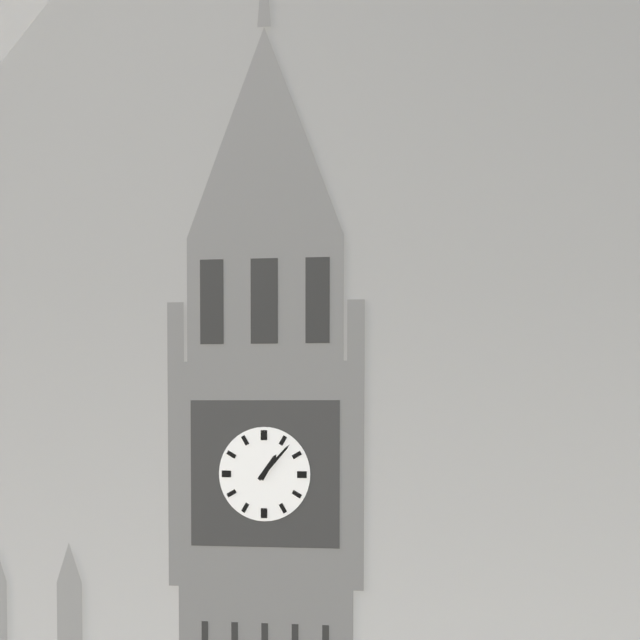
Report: 1:07
